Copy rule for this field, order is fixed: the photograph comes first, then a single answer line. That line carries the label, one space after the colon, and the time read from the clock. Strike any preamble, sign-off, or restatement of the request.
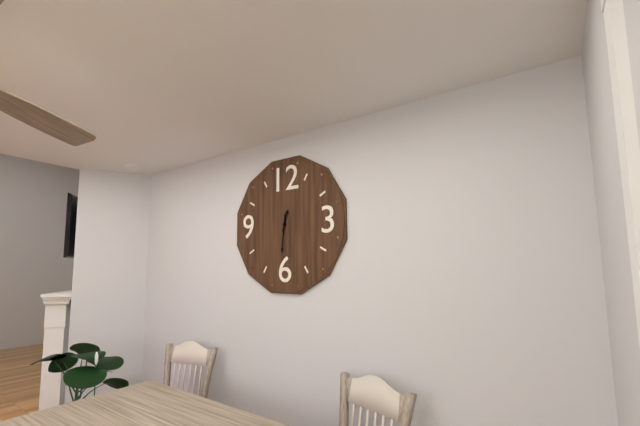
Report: 12:31
